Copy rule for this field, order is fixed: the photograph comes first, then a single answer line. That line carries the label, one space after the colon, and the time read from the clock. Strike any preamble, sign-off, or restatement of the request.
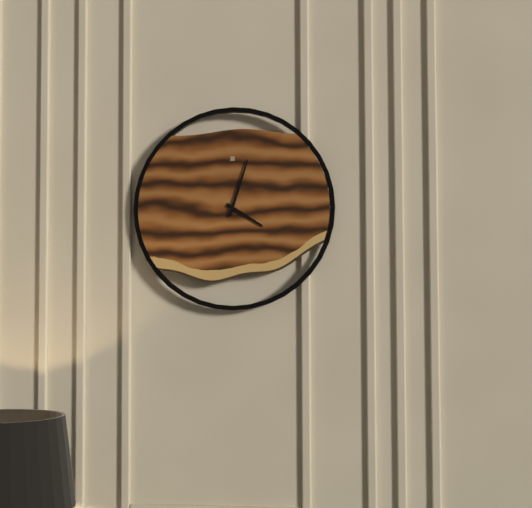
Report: 4:03
